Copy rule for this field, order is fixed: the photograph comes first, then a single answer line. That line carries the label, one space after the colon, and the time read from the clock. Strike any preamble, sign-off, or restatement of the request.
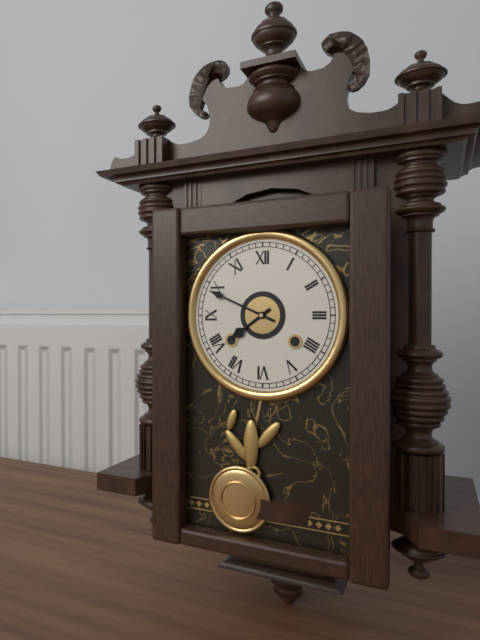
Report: 7:49
